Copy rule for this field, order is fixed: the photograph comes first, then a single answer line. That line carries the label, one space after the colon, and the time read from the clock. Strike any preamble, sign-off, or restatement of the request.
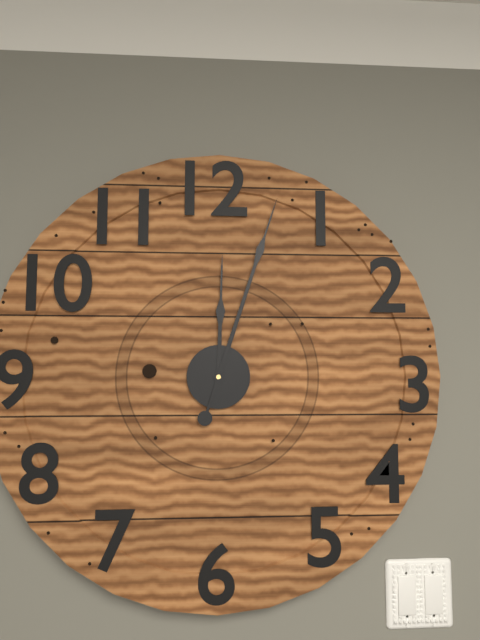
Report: 12:03
